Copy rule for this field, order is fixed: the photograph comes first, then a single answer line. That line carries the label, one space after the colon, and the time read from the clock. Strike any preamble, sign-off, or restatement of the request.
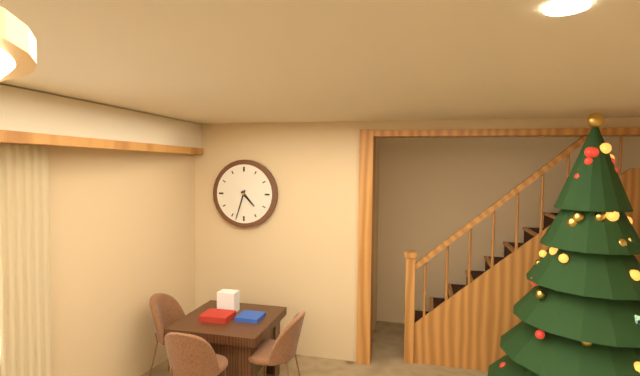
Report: 4:33
